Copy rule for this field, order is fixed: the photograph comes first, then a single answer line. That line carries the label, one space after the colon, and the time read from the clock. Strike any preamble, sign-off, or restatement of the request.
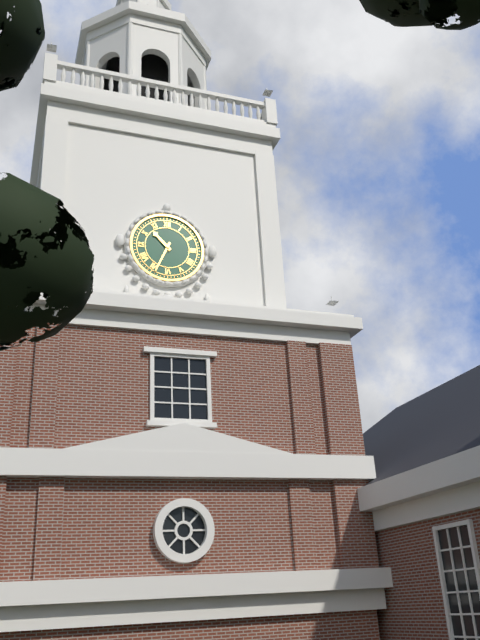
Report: 10:34
